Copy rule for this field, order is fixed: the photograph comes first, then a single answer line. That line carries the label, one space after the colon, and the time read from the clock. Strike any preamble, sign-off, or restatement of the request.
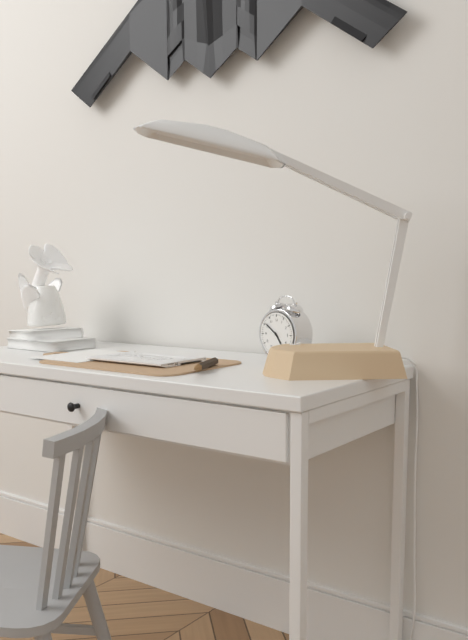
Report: 4:51
